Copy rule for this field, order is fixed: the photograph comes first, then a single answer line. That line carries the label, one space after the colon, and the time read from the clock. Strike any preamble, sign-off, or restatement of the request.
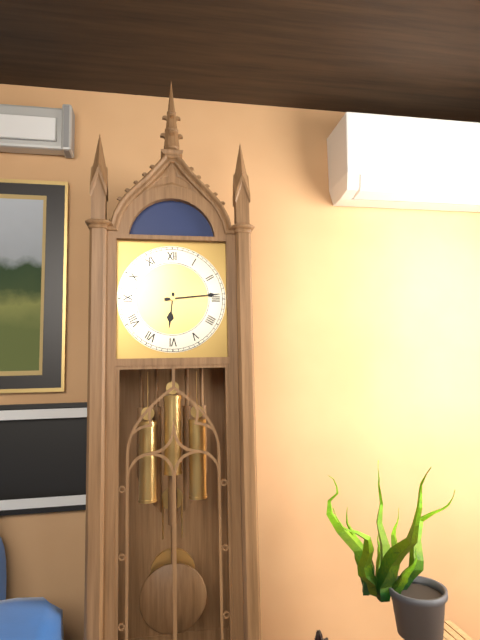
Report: 6:14
